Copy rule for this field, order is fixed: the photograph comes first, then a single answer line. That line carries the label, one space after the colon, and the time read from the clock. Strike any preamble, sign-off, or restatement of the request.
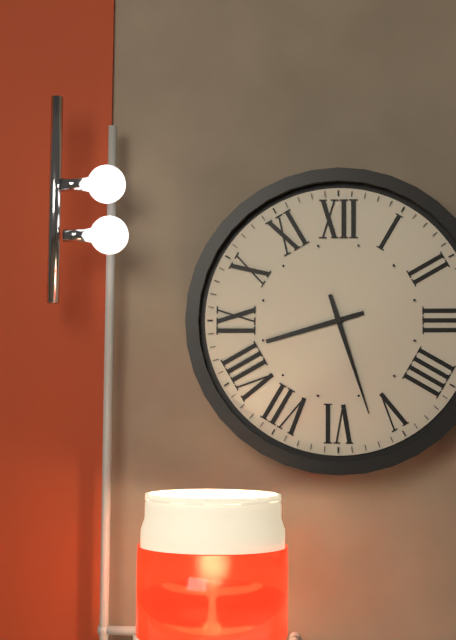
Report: 8:27
